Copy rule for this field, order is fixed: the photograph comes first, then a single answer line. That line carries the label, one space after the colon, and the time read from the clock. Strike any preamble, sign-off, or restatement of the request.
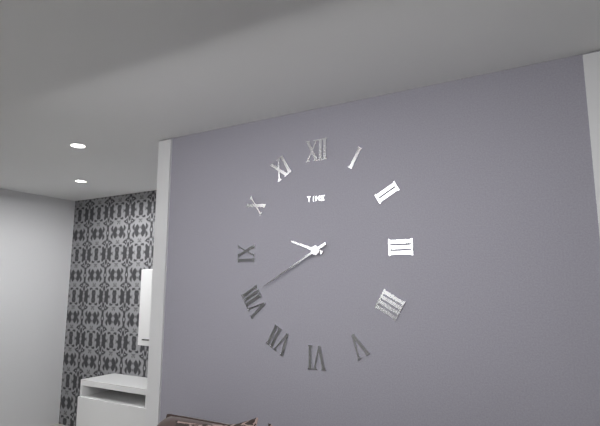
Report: 9:40
